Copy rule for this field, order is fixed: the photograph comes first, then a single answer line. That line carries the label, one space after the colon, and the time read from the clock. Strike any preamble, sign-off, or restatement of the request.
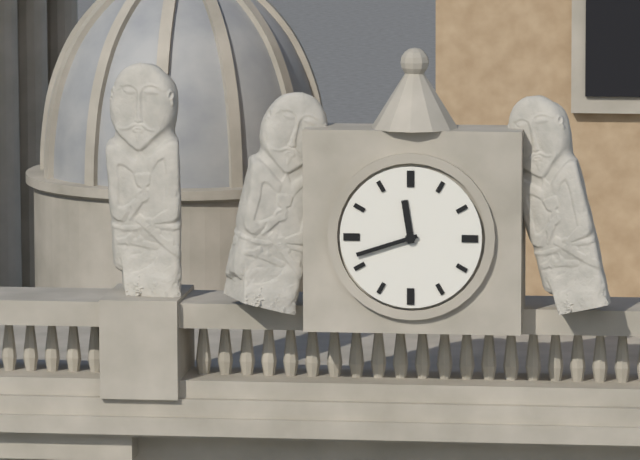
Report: 11:42
